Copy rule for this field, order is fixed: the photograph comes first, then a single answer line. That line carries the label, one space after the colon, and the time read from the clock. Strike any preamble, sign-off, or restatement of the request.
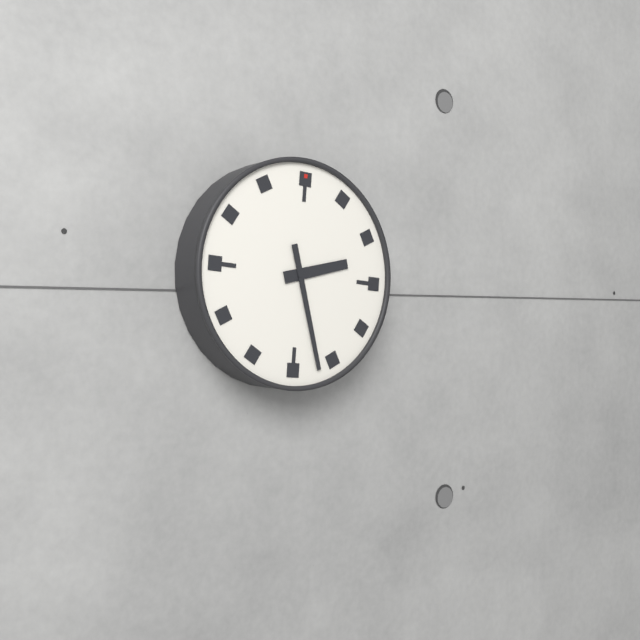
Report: 2:27
